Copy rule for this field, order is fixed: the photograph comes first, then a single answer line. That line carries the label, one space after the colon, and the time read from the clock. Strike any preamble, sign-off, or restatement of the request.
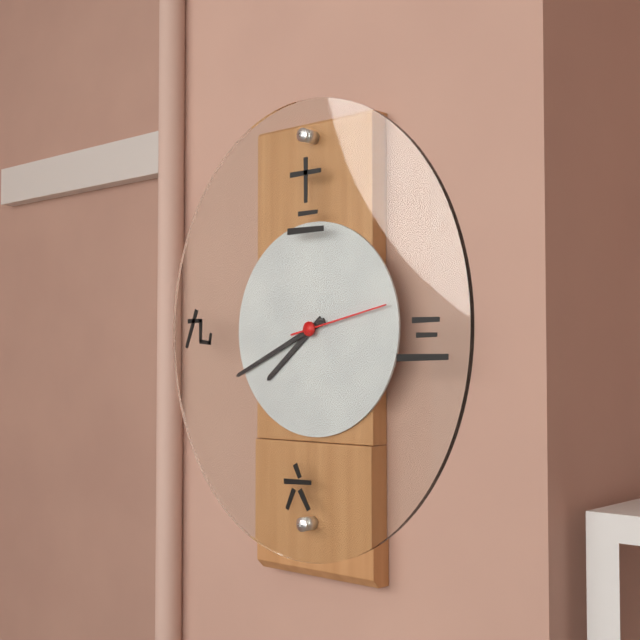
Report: 7:41:13
